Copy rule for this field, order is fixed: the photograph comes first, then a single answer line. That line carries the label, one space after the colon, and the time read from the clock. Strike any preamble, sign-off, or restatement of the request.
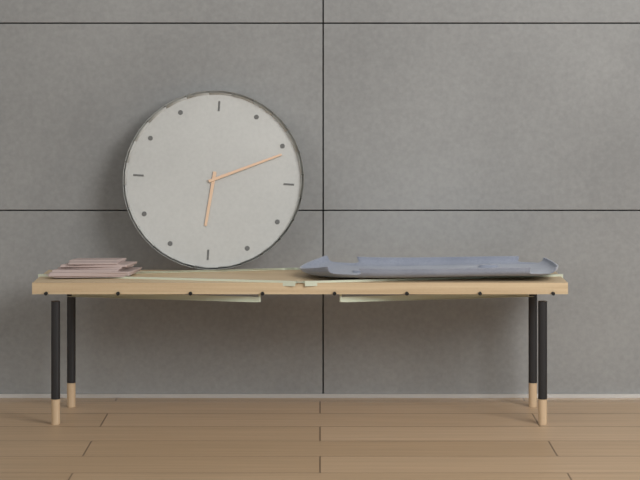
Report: 6:11
